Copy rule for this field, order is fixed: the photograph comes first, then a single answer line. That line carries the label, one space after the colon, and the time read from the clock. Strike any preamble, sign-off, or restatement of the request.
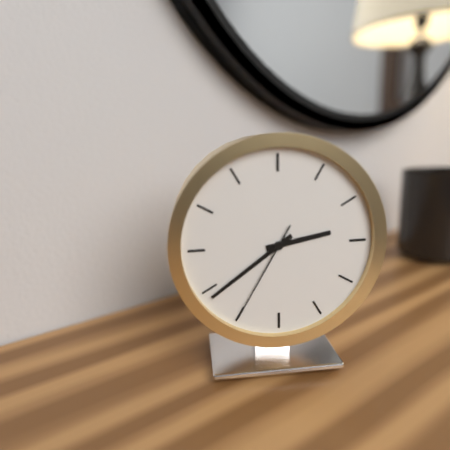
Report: 2:39:35
